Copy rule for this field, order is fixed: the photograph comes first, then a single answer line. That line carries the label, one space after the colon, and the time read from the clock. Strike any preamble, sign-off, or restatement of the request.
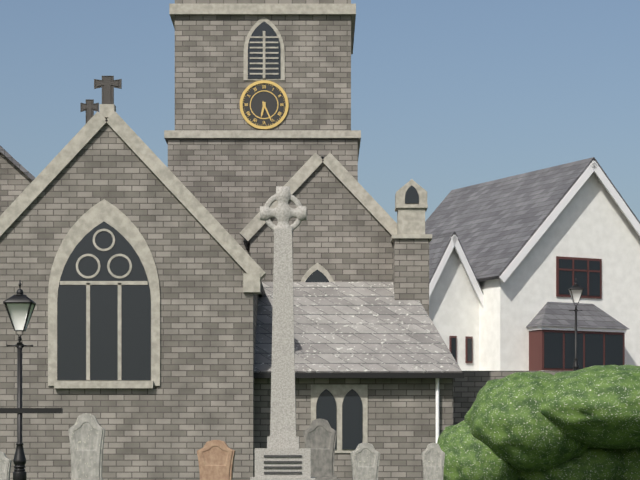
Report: 6:26
